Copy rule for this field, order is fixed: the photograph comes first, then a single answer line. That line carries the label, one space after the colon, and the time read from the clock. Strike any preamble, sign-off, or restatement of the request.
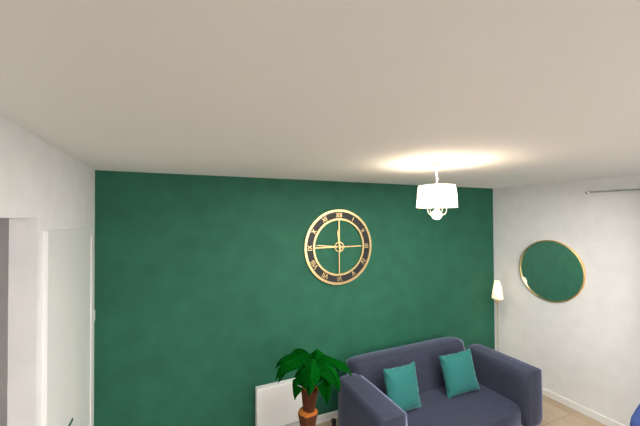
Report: 11:46
